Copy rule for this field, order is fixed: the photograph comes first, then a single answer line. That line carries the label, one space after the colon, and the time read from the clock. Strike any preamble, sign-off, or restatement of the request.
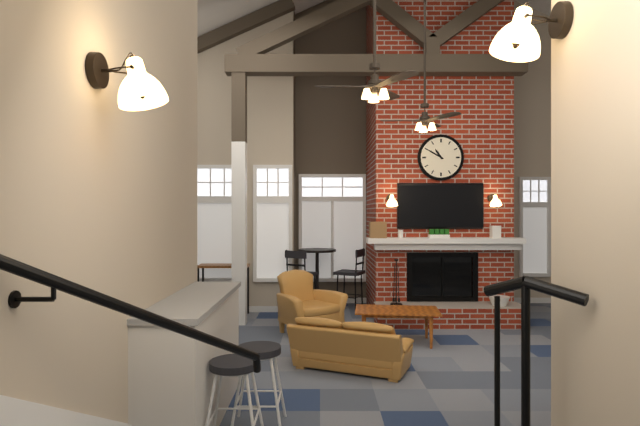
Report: 10:50
